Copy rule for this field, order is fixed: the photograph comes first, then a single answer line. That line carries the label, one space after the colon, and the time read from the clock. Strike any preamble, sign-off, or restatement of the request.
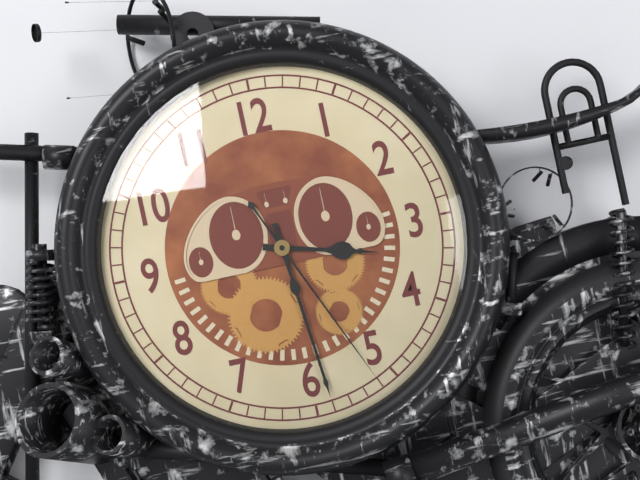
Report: 3:29:26
